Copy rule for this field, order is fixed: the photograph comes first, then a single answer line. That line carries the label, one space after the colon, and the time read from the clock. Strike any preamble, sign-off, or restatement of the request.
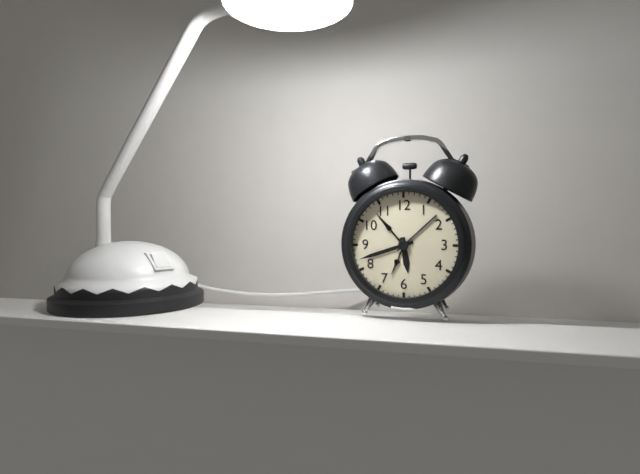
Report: 5:42
